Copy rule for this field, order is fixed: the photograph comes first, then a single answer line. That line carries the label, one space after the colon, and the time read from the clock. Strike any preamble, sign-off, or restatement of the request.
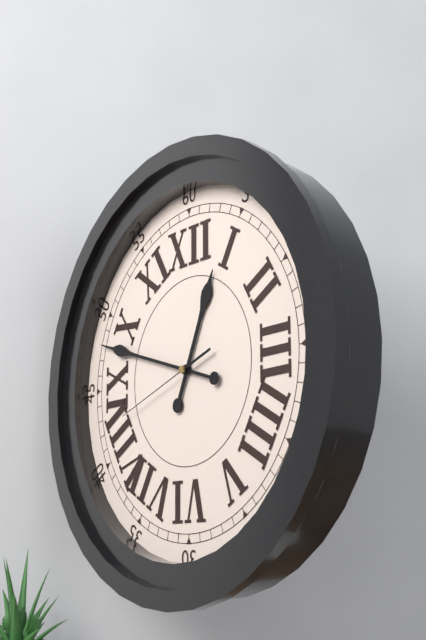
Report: 12:48:42
